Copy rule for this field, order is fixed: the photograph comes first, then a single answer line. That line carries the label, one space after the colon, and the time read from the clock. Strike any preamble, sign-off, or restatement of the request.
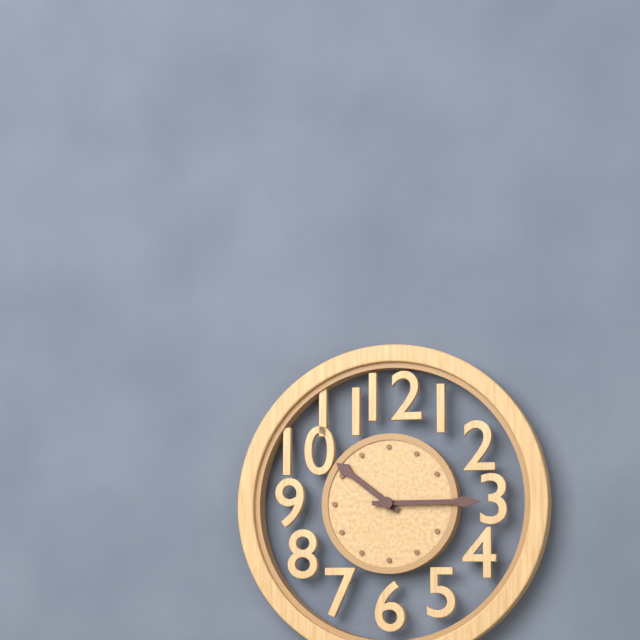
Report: 10:15
